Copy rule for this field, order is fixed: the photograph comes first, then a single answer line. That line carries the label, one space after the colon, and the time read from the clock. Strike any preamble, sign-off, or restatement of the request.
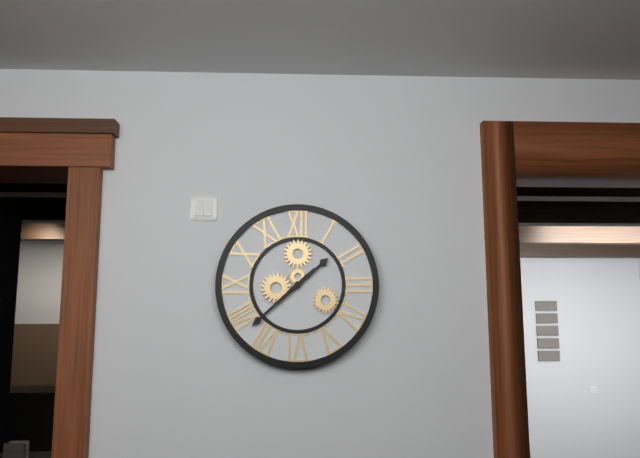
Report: 1:38
